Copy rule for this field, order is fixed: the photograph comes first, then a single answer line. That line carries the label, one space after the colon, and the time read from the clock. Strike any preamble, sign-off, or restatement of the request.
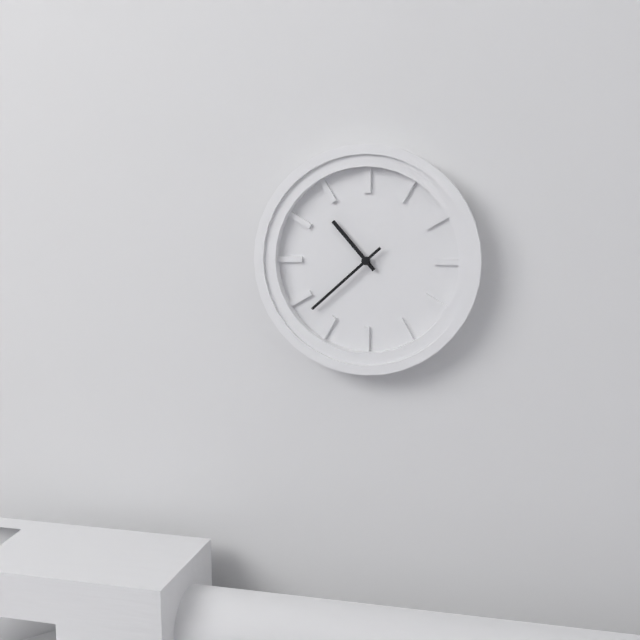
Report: 10:38
